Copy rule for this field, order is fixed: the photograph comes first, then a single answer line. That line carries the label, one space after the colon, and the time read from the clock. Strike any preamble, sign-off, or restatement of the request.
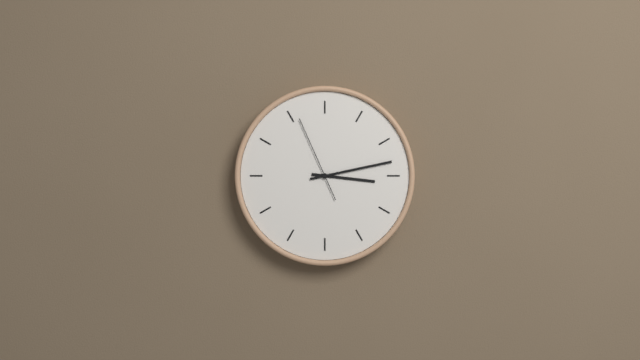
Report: 3:13:56
